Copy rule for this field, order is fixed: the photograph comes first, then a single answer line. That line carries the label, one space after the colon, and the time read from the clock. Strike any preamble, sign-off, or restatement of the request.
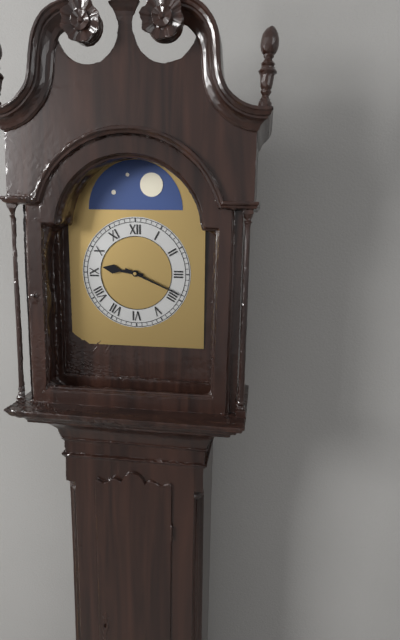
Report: 9:19
